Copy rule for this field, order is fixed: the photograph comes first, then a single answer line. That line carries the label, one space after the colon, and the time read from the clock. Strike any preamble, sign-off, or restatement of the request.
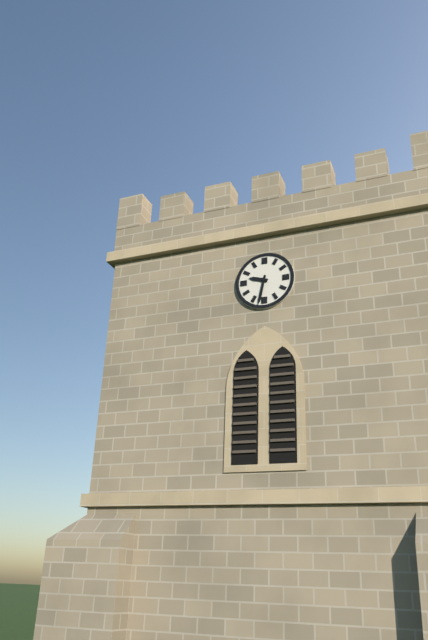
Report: 9:32
